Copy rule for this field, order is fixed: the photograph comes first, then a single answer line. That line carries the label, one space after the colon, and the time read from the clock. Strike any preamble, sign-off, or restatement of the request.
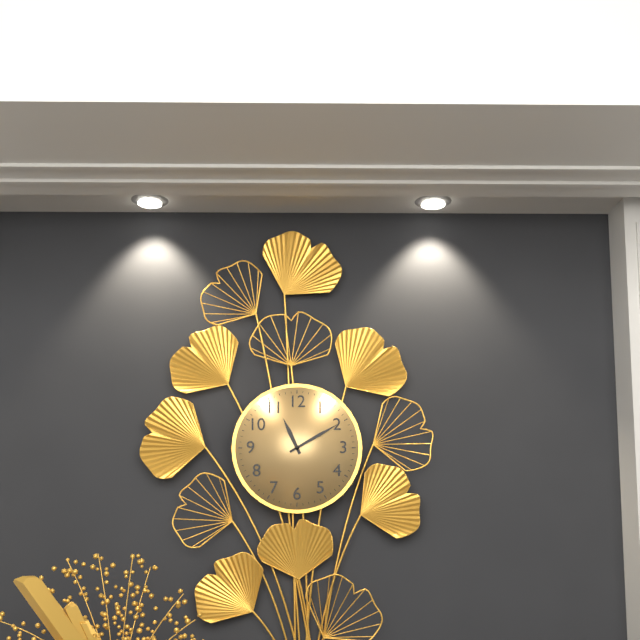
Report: 11:10
